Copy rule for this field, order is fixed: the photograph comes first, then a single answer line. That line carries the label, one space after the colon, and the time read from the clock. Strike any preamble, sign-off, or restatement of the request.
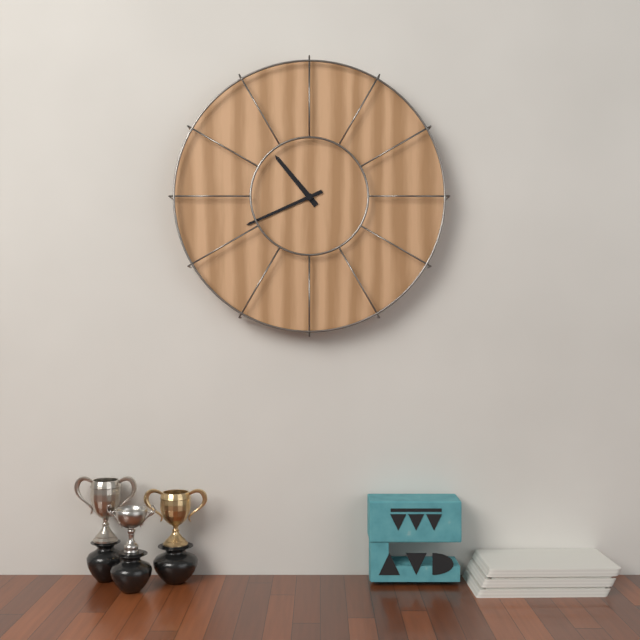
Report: 10:41
